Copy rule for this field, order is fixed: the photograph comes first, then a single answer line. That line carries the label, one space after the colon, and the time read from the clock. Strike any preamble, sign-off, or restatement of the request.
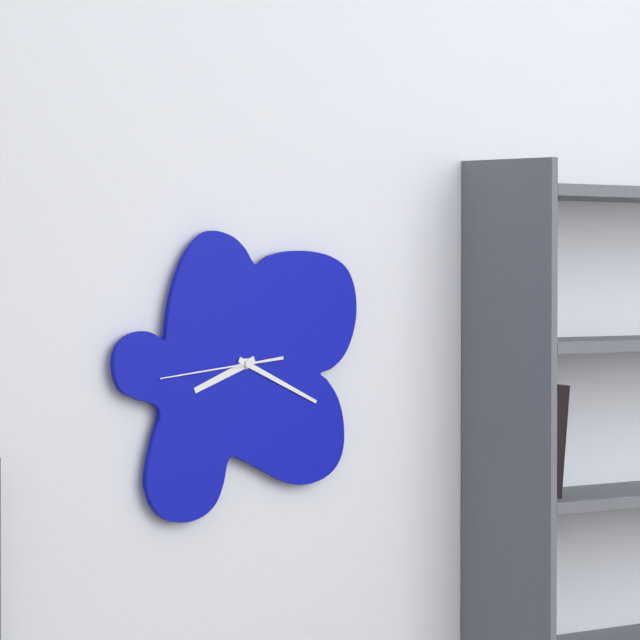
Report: 8:19:44
